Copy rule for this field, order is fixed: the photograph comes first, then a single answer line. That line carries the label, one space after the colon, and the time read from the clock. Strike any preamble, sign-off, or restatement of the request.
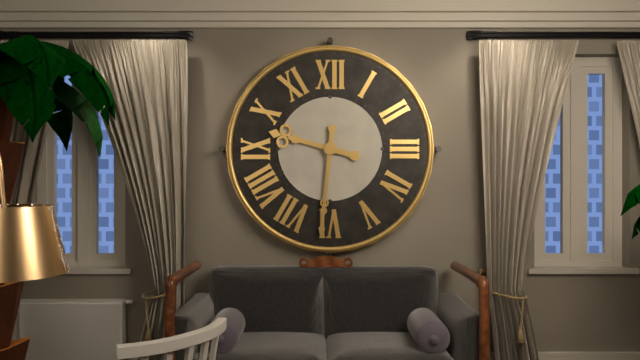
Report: 9:31
